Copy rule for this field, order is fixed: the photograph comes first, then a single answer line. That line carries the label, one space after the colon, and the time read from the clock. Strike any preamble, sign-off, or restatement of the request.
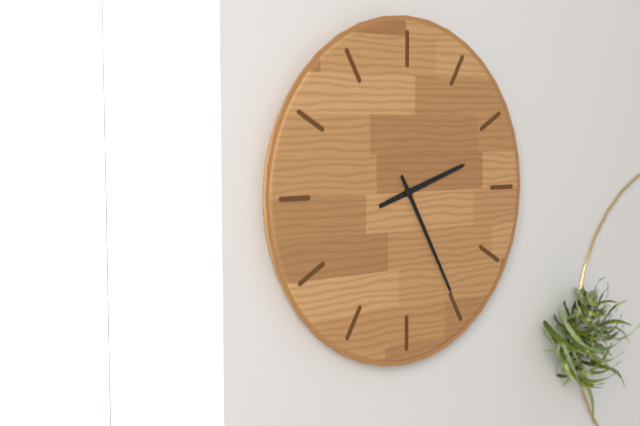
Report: 2:25
